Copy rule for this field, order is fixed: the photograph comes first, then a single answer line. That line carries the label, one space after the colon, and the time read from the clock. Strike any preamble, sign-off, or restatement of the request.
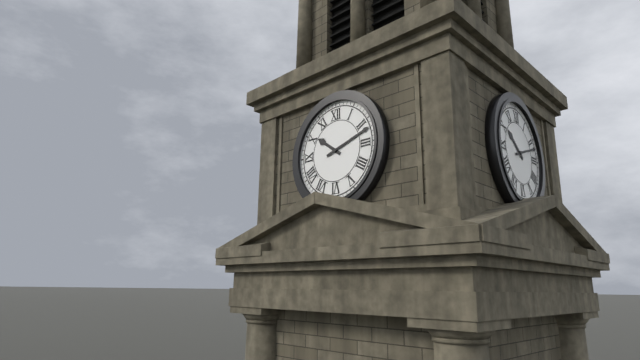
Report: 10:12
